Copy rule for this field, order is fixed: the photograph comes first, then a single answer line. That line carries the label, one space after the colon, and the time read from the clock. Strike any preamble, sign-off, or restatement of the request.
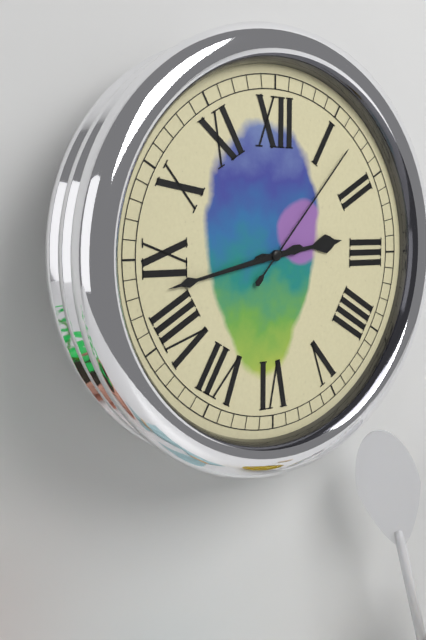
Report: 2:43:07
